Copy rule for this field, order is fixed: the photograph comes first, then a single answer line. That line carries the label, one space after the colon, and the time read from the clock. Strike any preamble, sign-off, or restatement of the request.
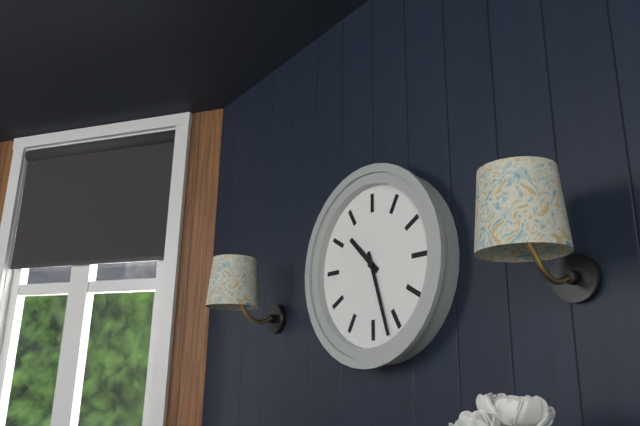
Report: 10:27
